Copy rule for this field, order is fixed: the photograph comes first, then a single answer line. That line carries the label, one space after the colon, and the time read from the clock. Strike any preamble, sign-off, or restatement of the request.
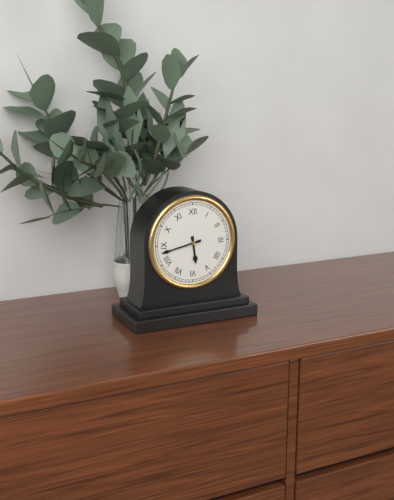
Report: 5:43
